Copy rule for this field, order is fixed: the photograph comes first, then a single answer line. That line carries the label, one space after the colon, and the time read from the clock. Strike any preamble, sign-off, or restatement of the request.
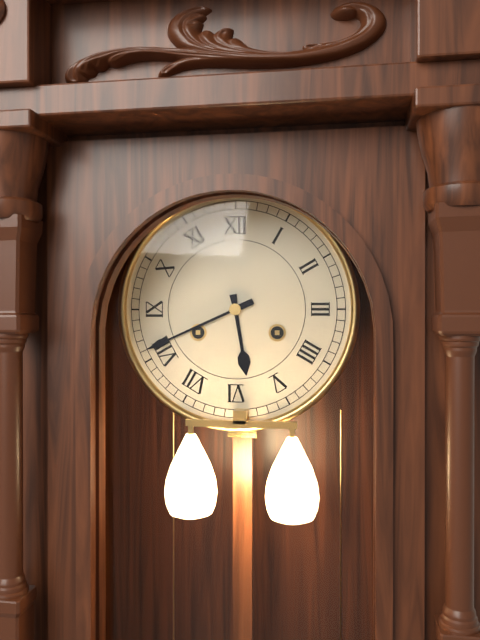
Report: 5:41
